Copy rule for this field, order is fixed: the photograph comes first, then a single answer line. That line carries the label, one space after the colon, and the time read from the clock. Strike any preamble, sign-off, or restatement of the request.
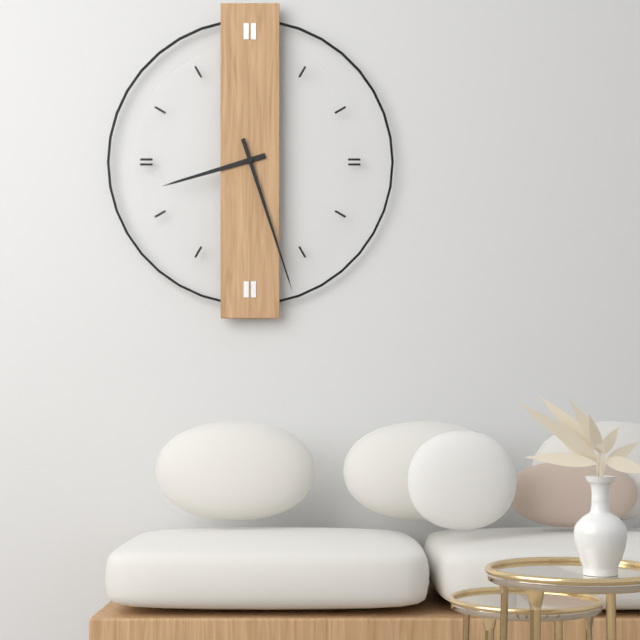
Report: 8:27
